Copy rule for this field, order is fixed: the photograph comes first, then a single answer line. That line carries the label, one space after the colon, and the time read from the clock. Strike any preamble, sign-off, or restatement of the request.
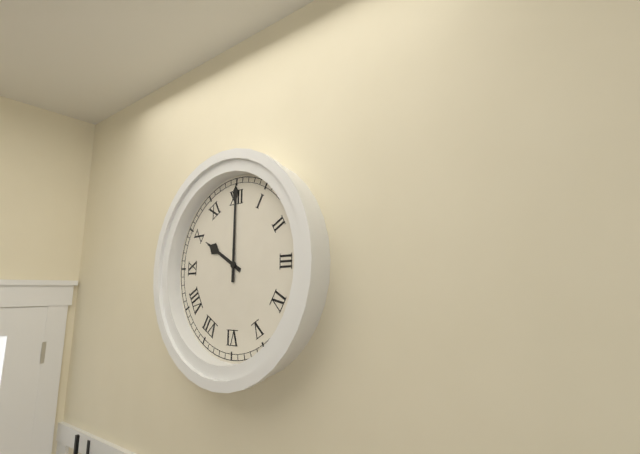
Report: 10:00
